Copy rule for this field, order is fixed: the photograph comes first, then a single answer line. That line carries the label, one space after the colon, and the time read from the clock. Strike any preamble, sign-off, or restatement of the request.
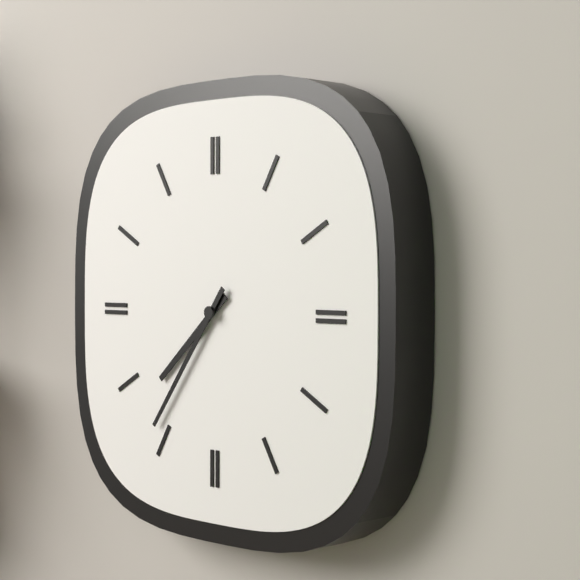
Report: 7:36
